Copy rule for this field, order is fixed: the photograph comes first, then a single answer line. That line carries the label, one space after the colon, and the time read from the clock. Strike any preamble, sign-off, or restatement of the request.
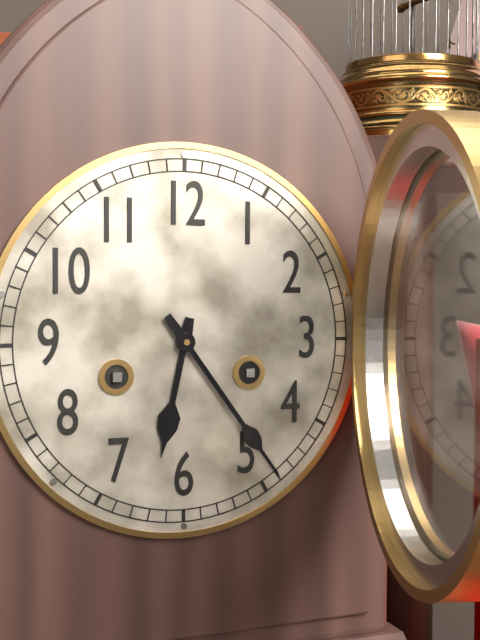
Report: 6:24
